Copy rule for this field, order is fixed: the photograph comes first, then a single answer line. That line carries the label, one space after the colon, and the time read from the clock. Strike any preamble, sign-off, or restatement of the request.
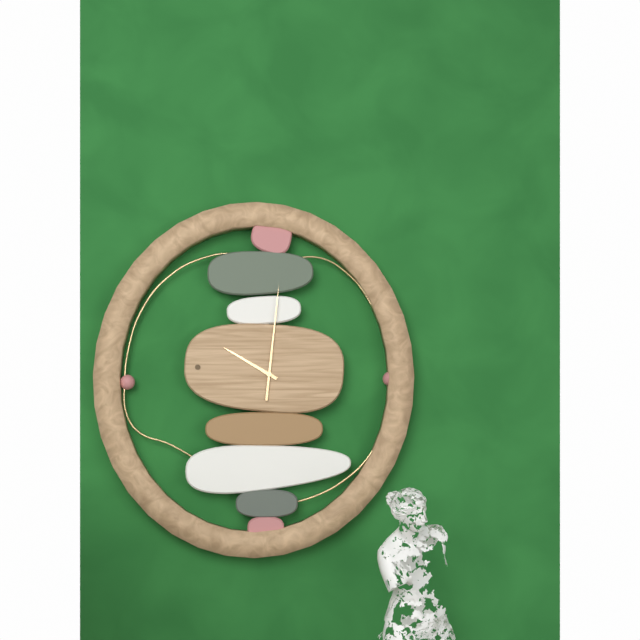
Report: 10:01
